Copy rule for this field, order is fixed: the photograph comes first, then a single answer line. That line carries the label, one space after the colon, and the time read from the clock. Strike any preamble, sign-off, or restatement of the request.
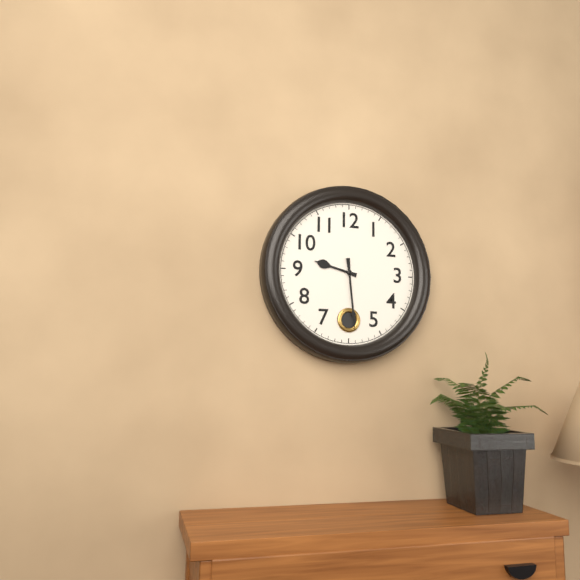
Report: 9:29
